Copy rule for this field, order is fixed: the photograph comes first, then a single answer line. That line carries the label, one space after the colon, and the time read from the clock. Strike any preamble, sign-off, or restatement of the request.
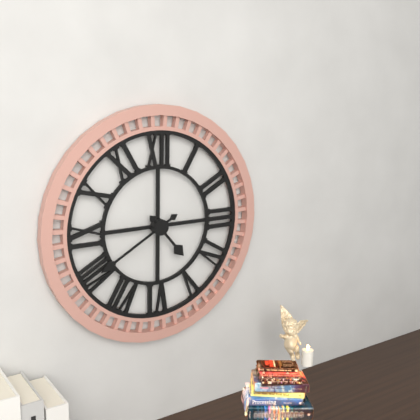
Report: 4:40
